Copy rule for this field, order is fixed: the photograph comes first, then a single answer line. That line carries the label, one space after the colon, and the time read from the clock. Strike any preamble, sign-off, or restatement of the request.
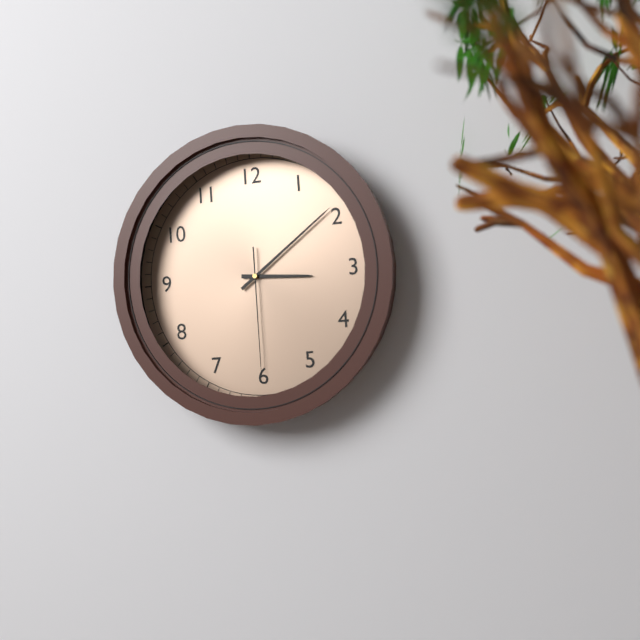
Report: 3:09:30
